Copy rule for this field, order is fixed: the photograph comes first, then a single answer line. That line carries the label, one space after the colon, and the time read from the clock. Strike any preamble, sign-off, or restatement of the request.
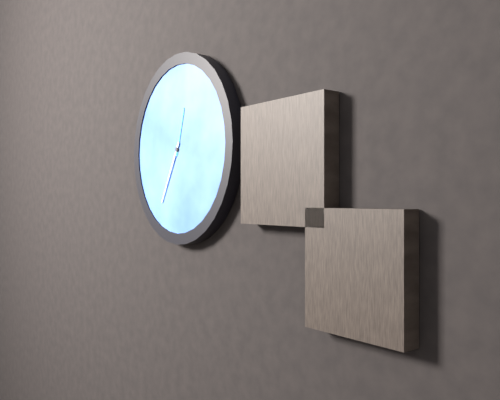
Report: 12:35
